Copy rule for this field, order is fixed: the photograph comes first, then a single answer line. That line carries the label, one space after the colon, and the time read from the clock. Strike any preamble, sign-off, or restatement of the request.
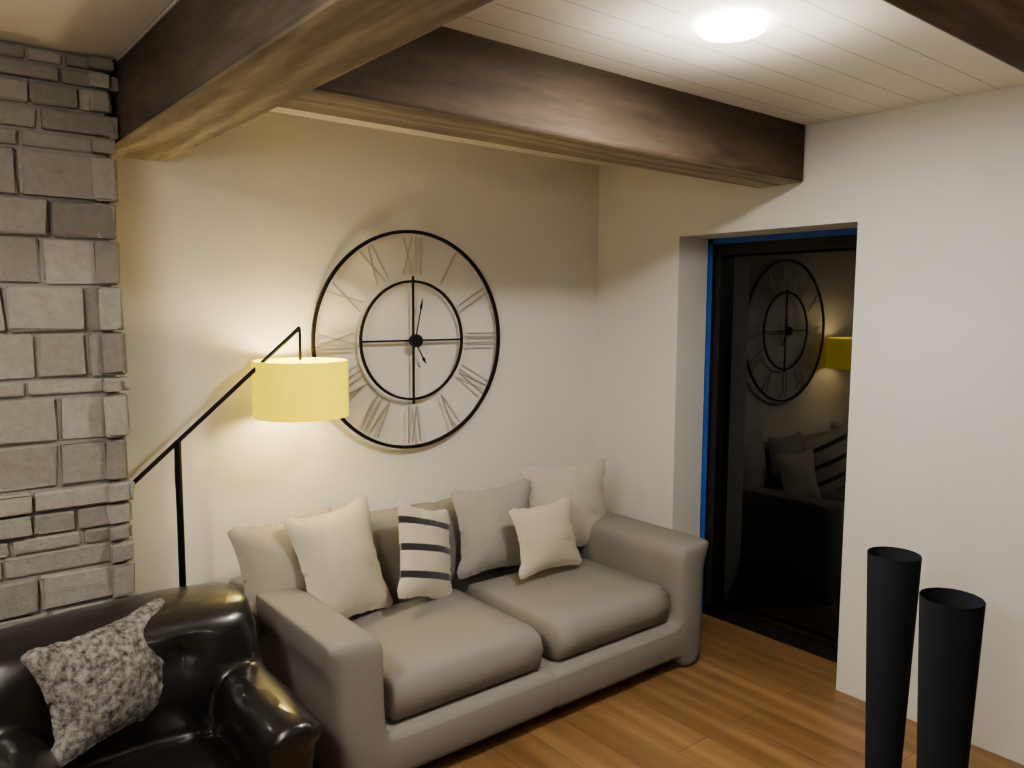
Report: 5:02
